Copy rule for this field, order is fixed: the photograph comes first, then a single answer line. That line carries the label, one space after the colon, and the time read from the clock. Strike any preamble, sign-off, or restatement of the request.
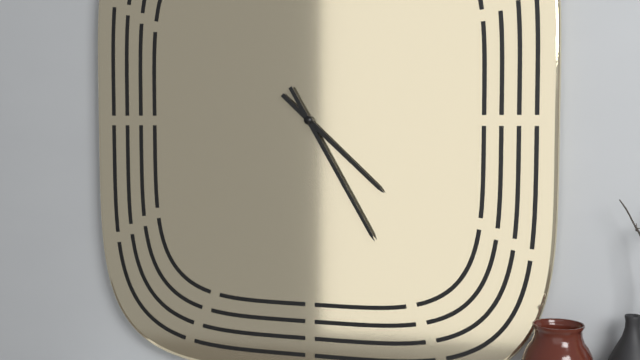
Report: 4:25
